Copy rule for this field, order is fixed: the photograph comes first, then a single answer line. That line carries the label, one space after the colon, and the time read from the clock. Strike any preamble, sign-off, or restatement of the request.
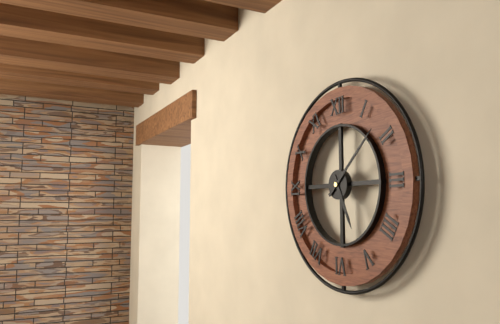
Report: 5:08
